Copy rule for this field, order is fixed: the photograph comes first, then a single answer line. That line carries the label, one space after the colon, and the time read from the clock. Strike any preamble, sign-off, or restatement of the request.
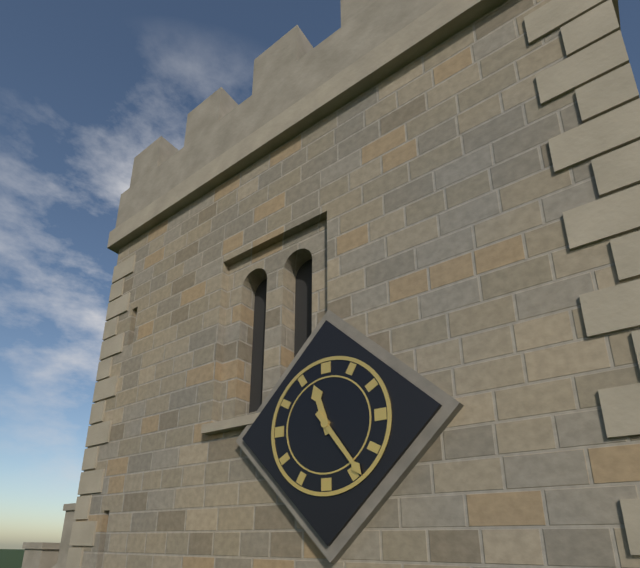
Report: 11:24
